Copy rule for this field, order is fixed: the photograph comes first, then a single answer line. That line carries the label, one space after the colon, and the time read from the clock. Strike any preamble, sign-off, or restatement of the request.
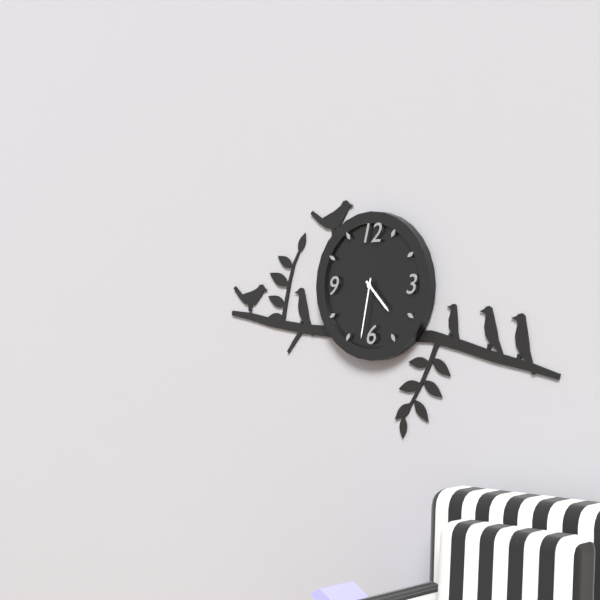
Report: 4:32
